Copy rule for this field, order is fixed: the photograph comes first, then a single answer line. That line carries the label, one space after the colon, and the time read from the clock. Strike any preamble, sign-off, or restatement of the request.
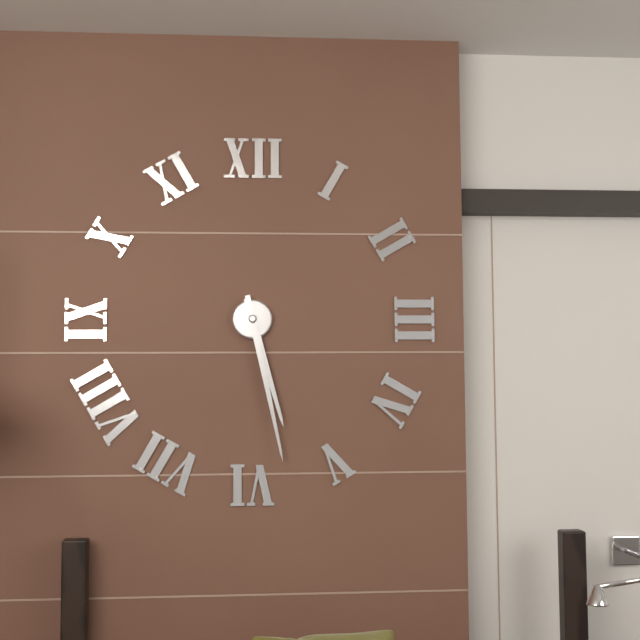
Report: 5:28
